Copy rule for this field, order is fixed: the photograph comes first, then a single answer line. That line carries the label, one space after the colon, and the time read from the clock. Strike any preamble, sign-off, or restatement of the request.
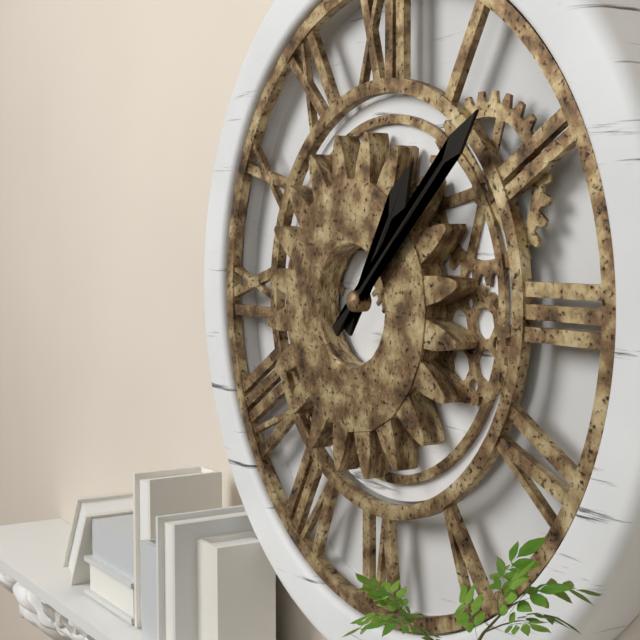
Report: 1:08
